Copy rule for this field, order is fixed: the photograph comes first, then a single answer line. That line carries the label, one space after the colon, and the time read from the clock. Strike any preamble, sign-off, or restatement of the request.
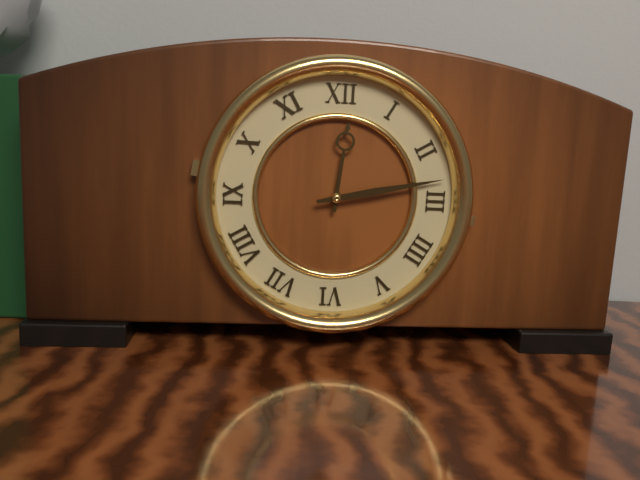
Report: 12:13
